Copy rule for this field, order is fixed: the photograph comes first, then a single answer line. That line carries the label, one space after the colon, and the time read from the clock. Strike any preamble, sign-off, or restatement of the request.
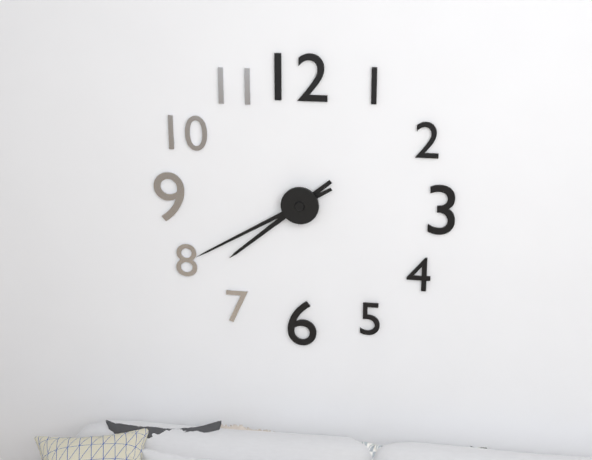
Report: 7:40
